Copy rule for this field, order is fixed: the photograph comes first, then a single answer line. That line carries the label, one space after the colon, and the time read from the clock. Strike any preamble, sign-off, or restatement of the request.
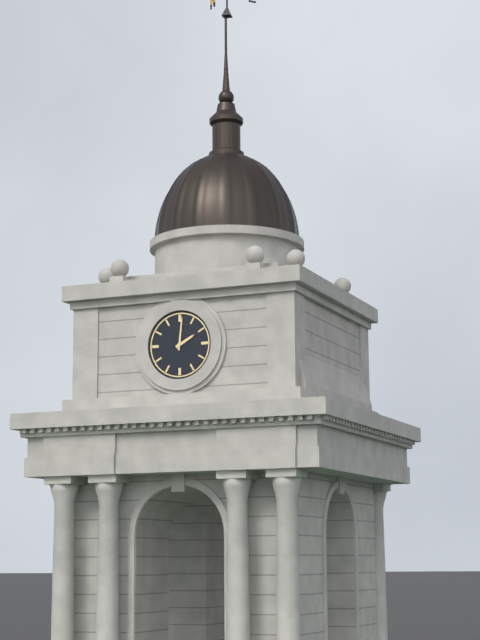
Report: 2:01
